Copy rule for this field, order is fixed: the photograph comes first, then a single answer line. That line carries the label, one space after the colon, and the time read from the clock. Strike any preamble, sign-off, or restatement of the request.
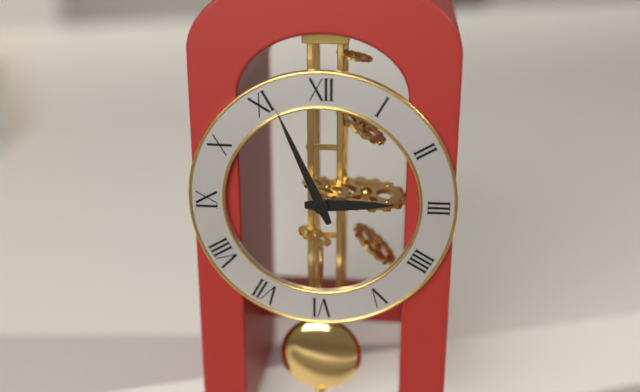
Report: 2:56
